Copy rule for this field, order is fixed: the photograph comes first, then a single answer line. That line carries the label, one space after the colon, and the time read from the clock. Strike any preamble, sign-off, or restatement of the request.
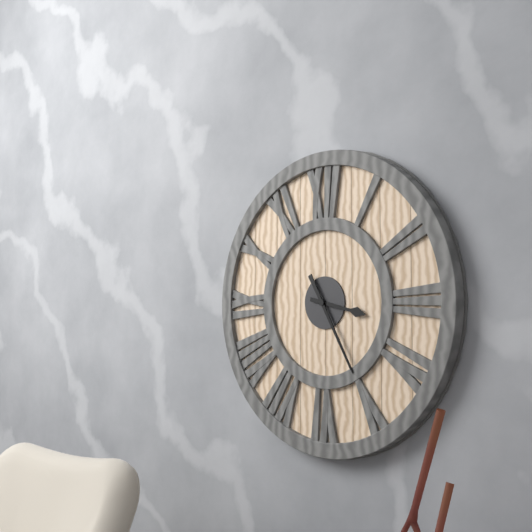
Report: 3:25
